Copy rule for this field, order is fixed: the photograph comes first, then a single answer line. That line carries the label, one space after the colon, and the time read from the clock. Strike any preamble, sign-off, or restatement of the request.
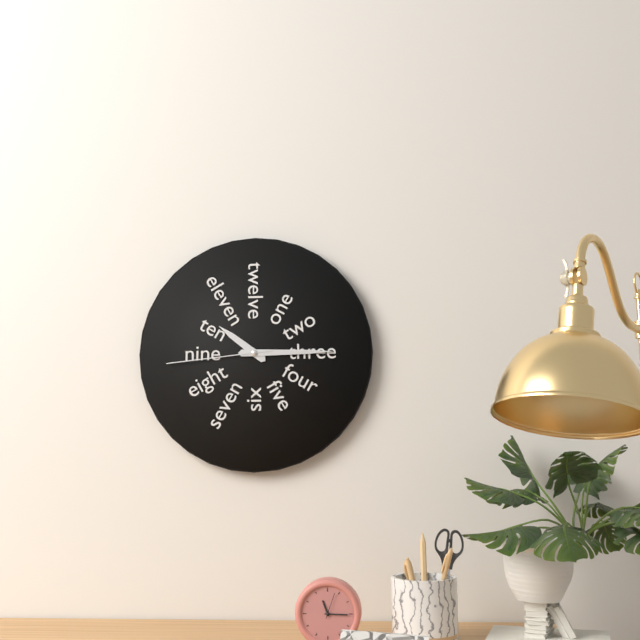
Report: 10:15:44
